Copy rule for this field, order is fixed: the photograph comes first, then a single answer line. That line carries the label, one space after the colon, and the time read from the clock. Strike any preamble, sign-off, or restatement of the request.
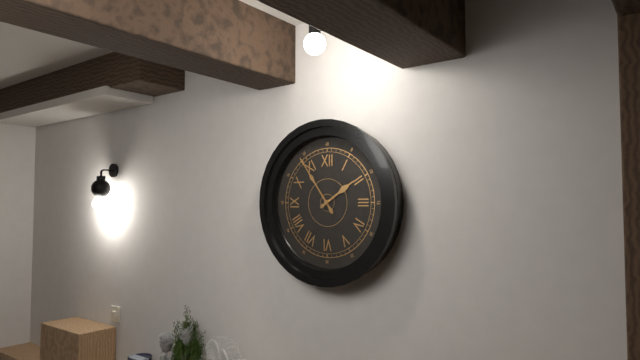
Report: 1:54
